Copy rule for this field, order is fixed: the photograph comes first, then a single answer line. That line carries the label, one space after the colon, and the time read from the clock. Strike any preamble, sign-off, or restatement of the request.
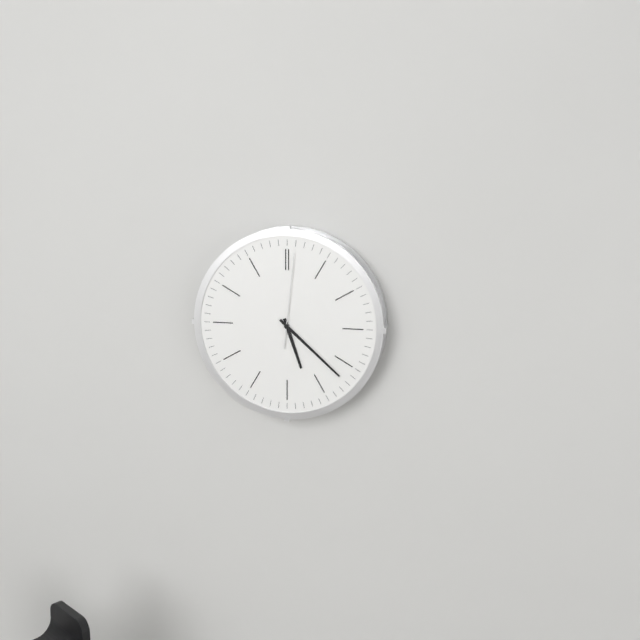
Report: 5:22:01
